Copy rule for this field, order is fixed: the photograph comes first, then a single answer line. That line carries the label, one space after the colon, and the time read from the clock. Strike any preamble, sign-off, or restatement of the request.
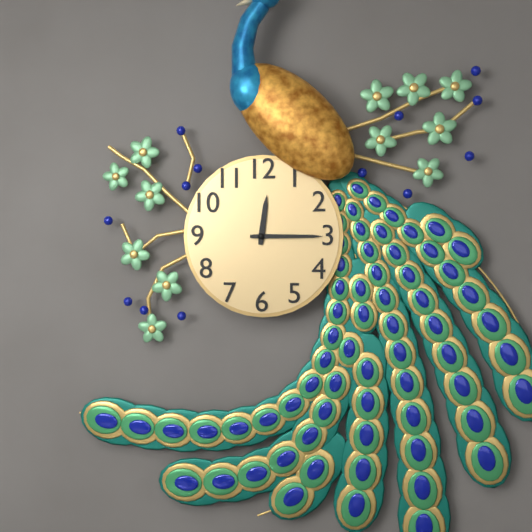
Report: 12:15
